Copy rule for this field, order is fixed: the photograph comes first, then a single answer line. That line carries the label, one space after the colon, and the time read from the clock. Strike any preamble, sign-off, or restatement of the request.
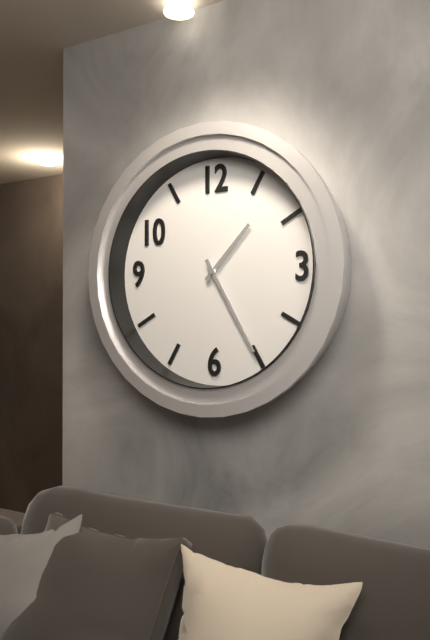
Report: 1:25
